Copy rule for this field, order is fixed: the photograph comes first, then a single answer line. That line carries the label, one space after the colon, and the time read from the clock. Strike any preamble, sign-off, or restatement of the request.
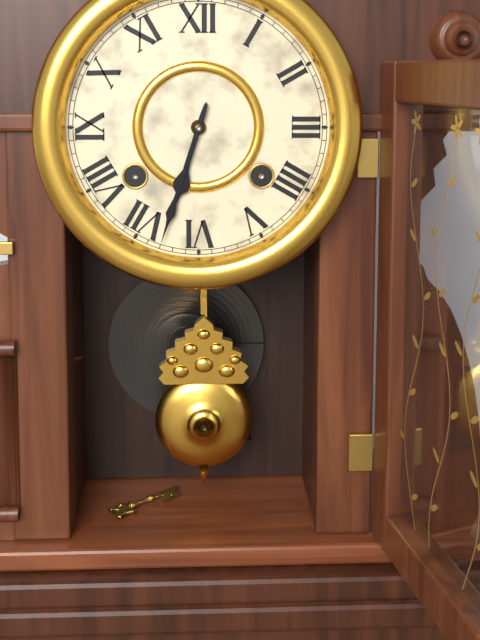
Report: 6:33
